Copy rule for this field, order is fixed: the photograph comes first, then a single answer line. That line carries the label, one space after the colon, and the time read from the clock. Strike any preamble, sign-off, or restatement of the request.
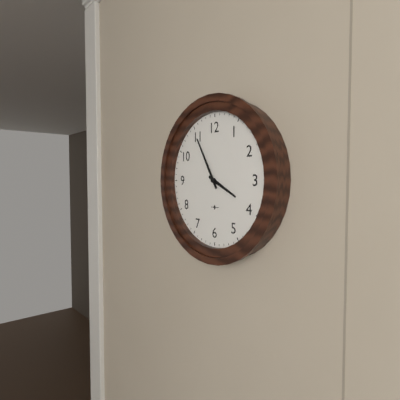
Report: 3:55
